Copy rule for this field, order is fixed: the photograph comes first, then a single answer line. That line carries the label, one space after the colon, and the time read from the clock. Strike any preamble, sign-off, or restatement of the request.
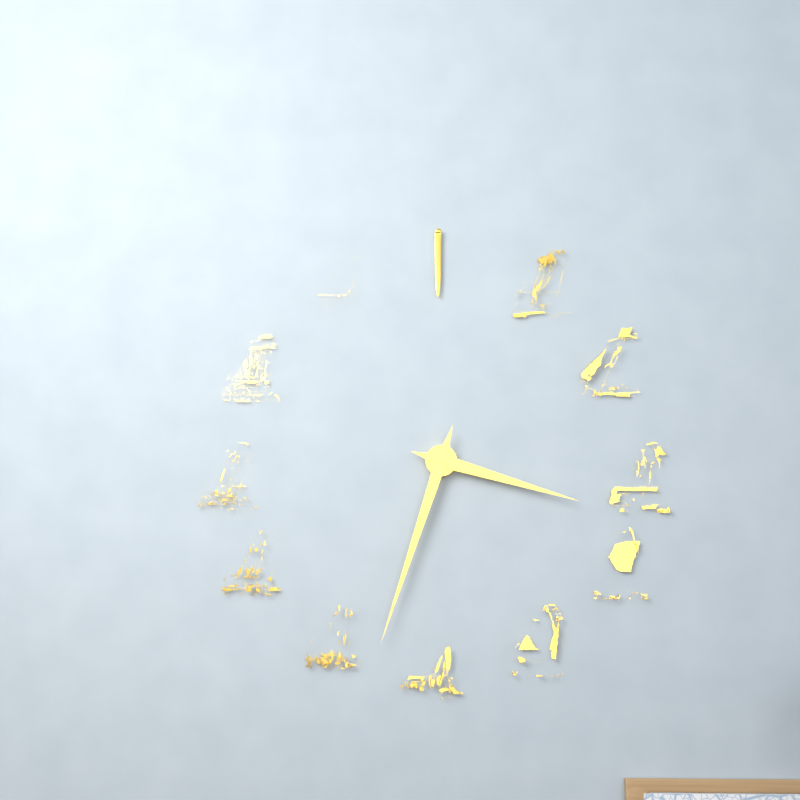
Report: 3:33
